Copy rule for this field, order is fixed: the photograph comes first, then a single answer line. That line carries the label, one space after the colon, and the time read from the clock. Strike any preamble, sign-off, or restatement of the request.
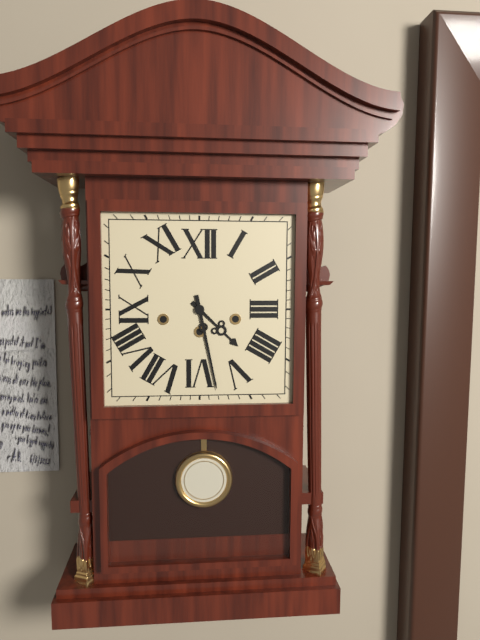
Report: 4:28
